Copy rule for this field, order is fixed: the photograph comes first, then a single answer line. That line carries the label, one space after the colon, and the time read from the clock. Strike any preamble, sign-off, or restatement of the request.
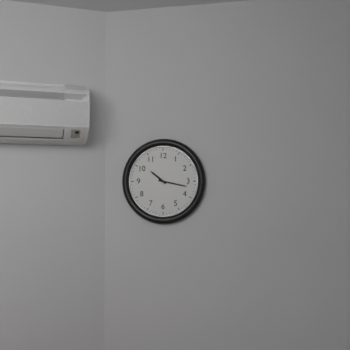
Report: 10:17
